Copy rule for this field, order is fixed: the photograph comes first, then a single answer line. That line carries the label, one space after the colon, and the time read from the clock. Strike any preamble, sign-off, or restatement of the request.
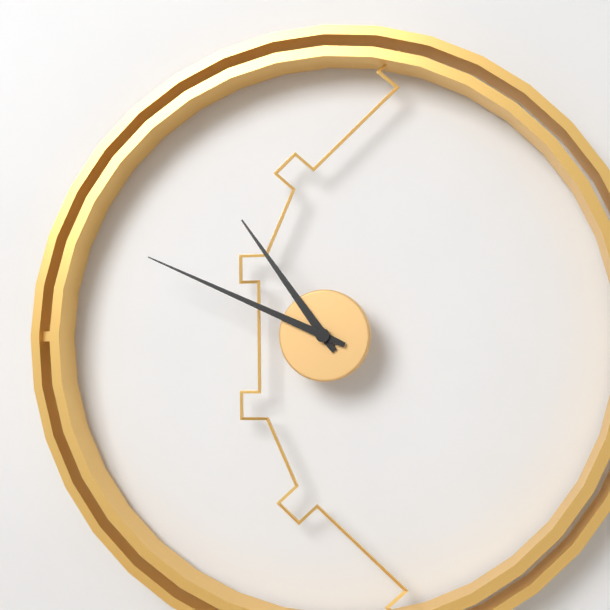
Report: 10:49
